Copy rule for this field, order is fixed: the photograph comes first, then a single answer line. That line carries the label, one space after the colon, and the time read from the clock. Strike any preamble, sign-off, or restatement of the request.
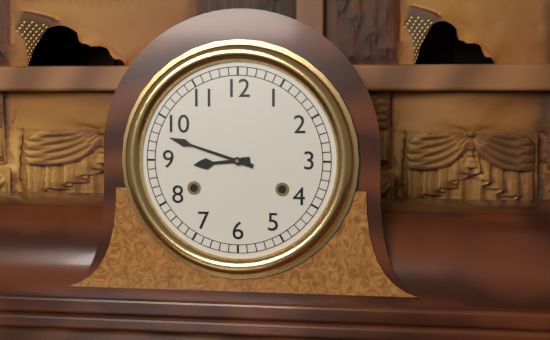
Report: 8:48
